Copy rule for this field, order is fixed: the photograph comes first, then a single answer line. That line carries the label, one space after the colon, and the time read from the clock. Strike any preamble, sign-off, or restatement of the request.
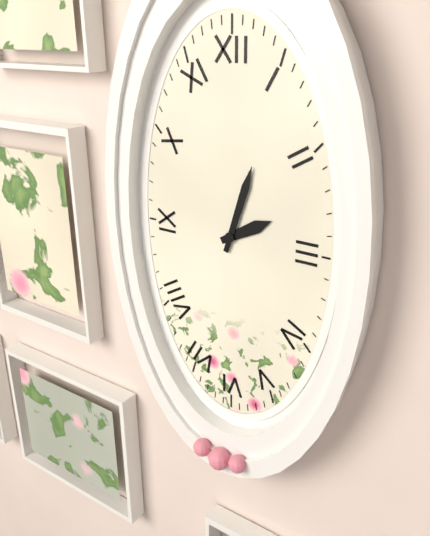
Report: 2:03
